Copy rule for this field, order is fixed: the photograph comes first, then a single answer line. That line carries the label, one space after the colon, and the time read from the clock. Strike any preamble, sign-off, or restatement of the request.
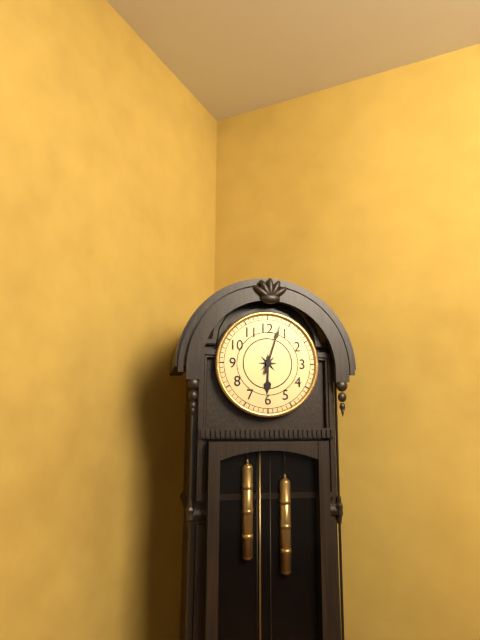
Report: 6:03
